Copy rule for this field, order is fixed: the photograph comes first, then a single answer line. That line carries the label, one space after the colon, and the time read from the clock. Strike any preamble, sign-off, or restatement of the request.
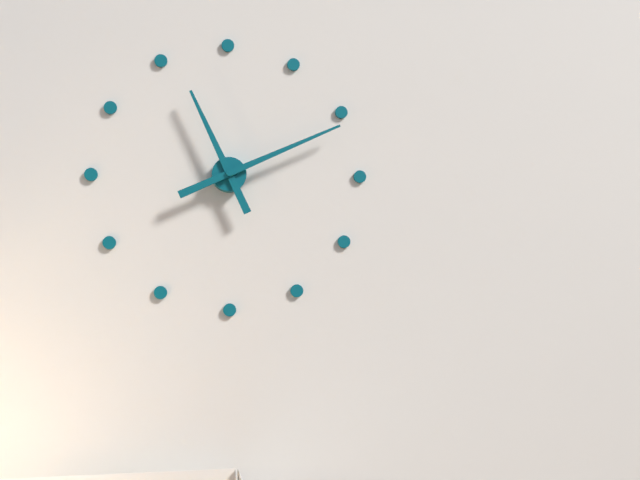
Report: 11:11
